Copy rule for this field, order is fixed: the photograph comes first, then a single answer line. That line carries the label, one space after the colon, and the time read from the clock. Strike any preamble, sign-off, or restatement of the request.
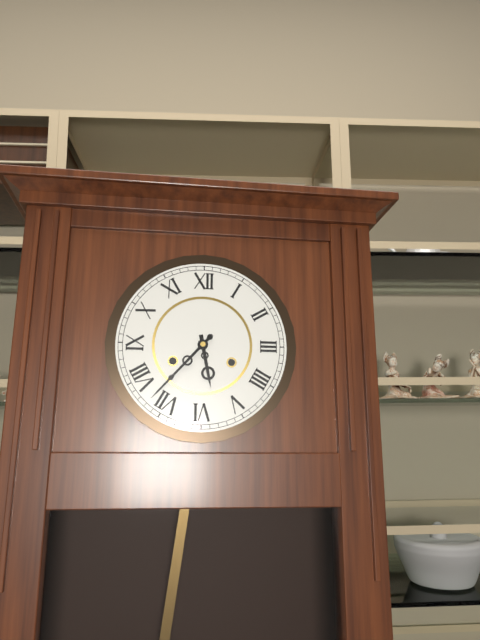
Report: 5:37
